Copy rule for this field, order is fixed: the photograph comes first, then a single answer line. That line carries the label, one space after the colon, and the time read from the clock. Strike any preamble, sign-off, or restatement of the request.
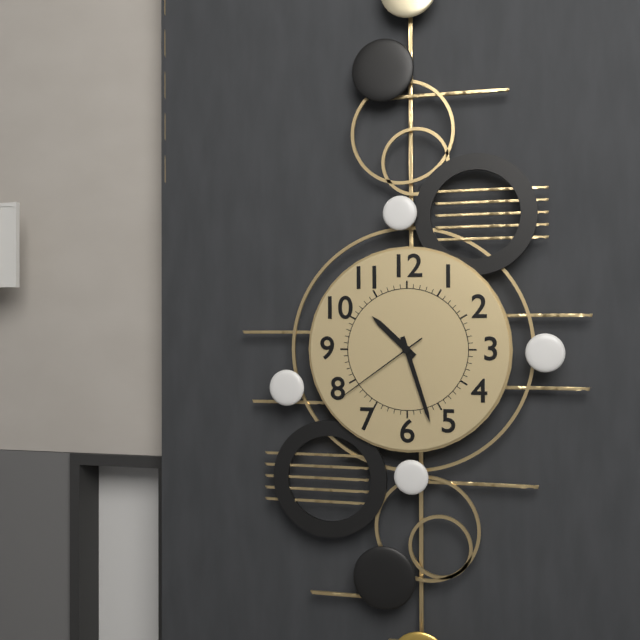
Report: 10:27:39
